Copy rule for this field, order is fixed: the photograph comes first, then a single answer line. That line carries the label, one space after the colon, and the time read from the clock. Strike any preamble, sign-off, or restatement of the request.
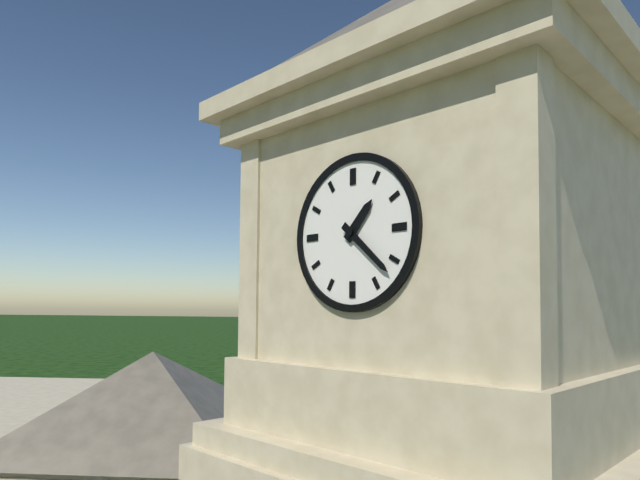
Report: 1:22
